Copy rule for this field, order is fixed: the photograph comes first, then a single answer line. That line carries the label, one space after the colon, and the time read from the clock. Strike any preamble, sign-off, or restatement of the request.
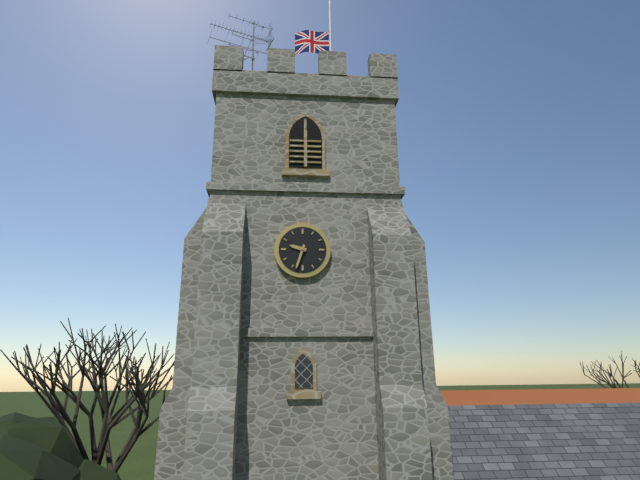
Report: 9:33
